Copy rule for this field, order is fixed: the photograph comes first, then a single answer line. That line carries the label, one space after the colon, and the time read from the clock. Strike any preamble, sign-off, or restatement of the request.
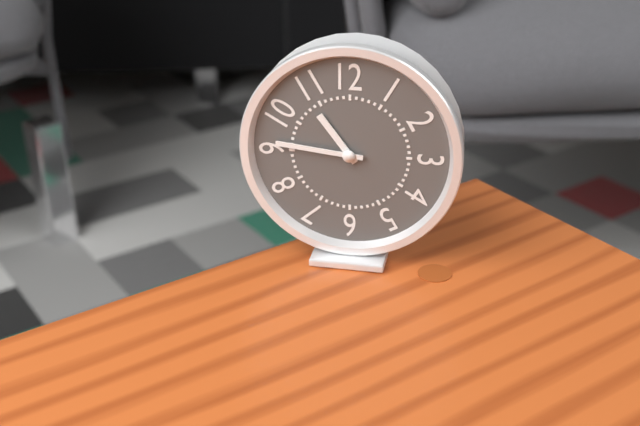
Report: 10:46
